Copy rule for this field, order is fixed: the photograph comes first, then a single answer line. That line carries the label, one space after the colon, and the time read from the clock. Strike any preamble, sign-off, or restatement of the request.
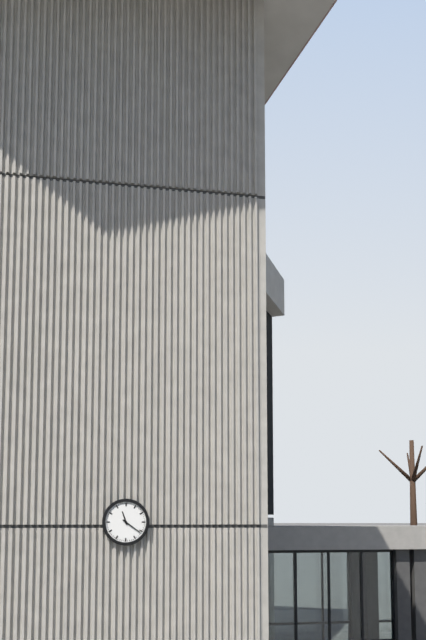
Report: 11:21
